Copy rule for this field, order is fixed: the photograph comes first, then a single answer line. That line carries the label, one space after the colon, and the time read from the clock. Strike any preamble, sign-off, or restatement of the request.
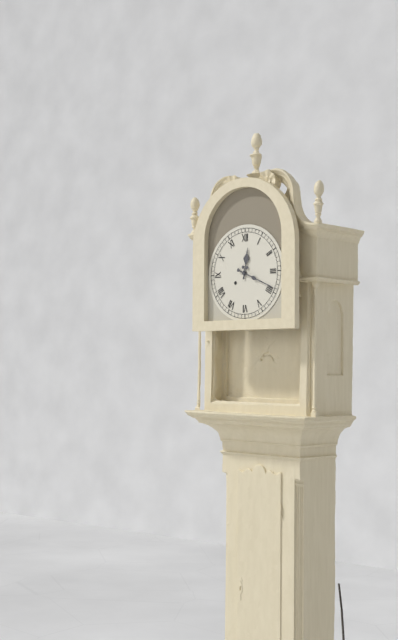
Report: 12:19
